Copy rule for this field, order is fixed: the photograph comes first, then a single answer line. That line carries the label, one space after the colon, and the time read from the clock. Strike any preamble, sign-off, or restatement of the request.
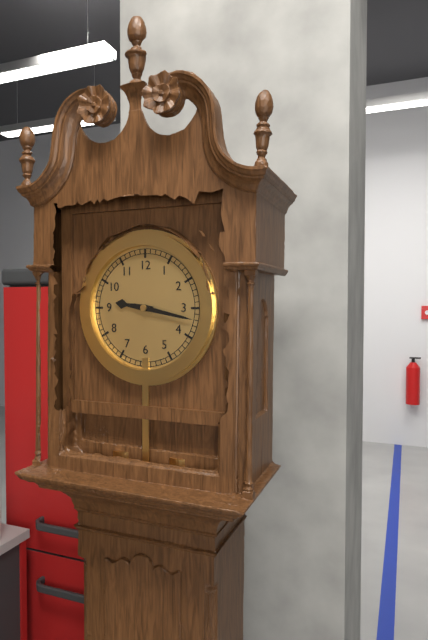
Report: 9:17
